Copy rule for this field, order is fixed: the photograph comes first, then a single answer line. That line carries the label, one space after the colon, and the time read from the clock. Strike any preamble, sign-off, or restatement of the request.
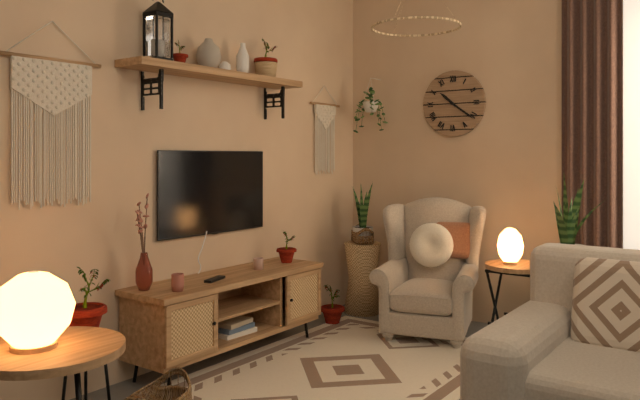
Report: 10:21
